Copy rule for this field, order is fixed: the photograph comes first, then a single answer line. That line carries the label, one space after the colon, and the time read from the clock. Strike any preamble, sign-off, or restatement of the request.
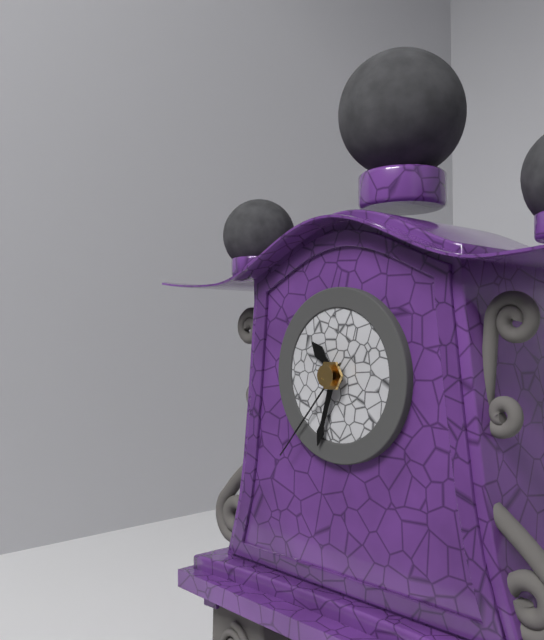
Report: 10:33:37
